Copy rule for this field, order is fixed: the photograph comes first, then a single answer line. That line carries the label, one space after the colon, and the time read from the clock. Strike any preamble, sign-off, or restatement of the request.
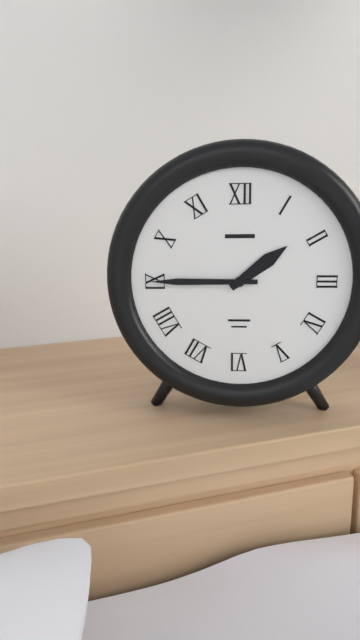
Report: 1:45
